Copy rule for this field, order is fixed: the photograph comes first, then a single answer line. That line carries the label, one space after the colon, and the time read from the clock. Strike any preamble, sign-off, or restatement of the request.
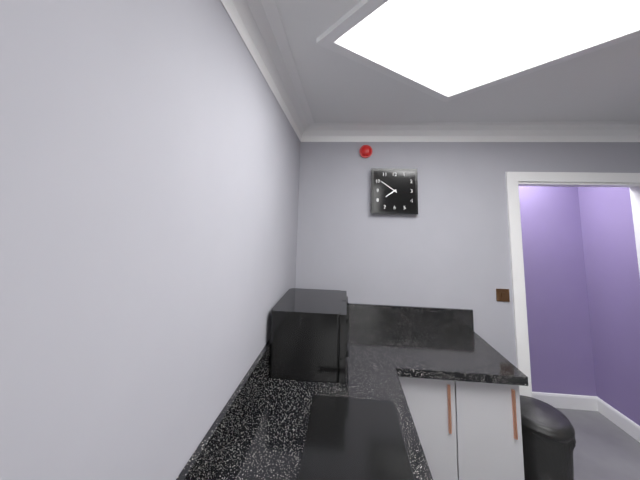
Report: 7:51
